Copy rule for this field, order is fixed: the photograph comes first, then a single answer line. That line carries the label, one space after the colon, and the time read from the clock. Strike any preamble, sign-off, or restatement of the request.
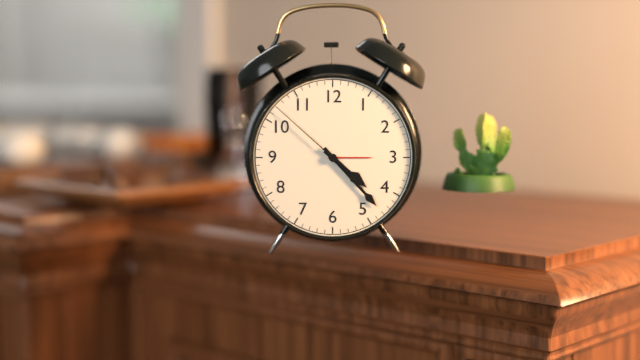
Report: 4:23:52
